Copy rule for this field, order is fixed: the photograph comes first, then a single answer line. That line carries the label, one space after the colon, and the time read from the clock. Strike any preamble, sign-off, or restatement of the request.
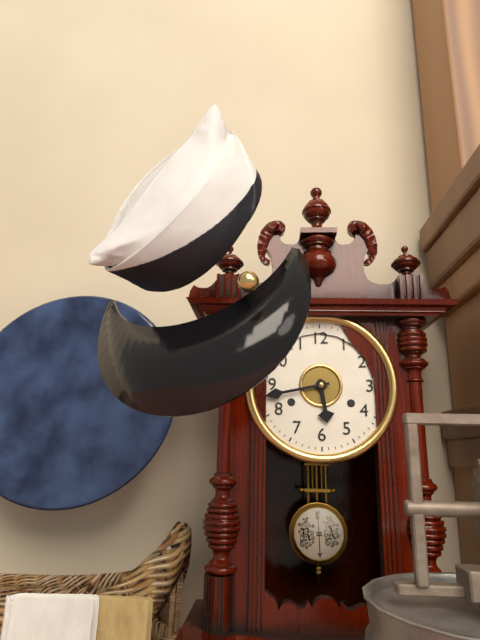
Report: 5:43
